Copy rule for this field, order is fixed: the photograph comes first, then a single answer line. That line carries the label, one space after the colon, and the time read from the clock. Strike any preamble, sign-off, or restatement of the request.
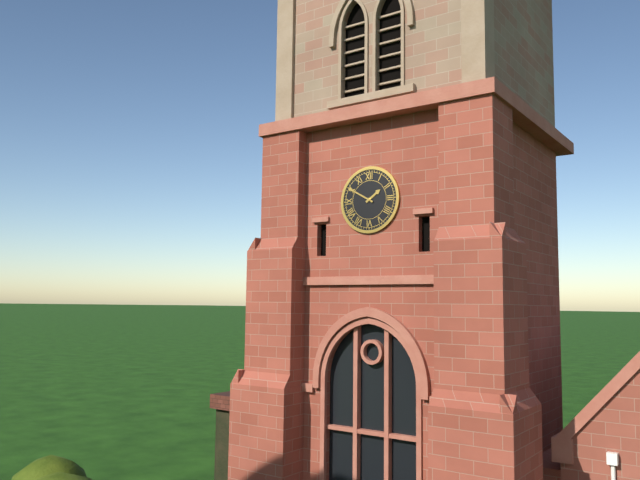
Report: 1:50
